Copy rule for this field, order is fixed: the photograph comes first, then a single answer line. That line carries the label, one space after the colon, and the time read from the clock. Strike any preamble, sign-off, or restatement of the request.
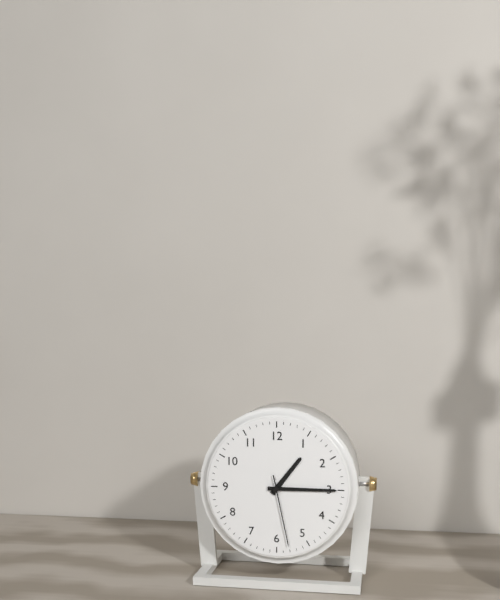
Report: 1:15:28
